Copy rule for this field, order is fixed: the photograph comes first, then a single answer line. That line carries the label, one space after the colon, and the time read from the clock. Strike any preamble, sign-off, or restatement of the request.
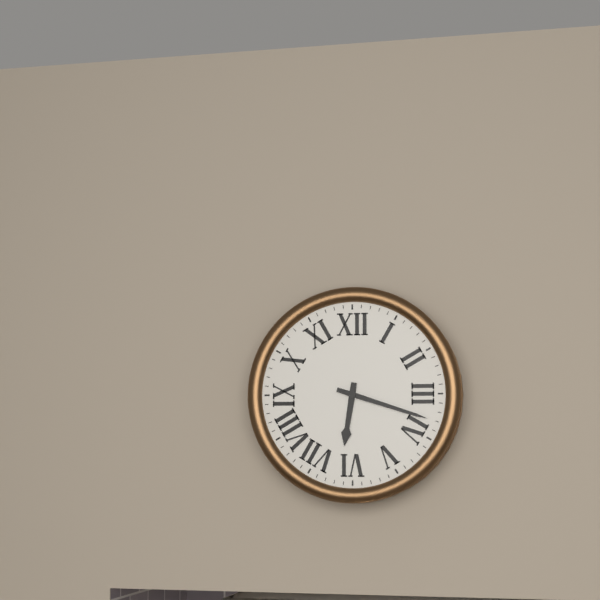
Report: 6:18
